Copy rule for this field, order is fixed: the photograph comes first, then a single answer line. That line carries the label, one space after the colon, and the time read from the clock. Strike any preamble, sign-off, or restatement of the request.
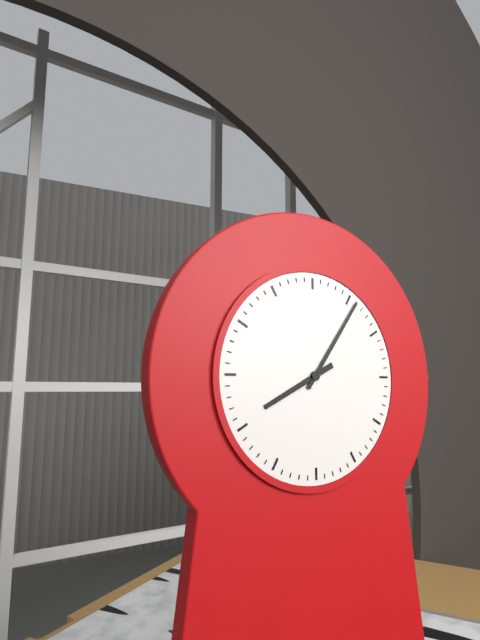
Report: 8:06
